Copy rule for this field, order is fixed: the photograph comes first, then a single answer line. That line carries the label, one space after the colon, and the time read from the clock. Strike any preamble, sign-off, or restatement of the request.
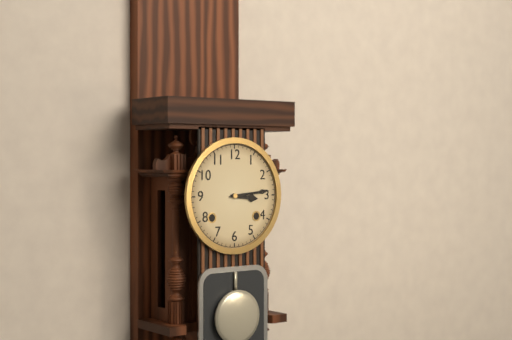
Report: 3:14
